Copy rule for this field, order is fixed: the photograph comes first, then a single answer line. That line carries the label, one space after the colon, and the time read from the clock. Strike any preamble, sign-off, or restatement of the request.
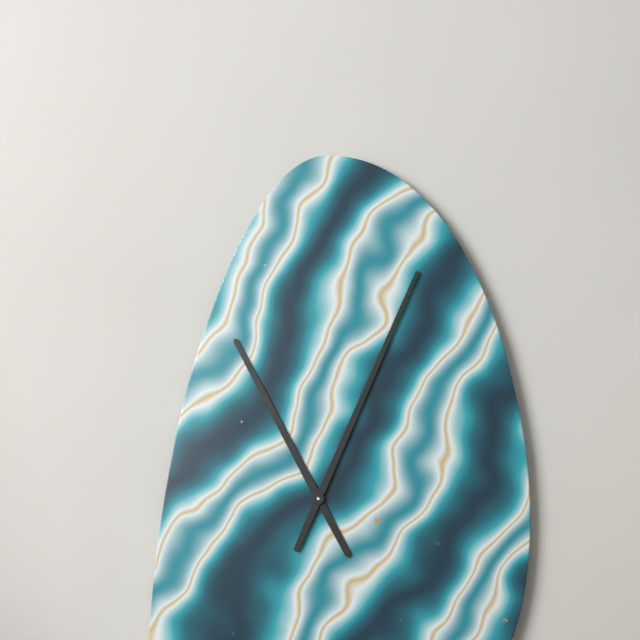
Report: 11:04
